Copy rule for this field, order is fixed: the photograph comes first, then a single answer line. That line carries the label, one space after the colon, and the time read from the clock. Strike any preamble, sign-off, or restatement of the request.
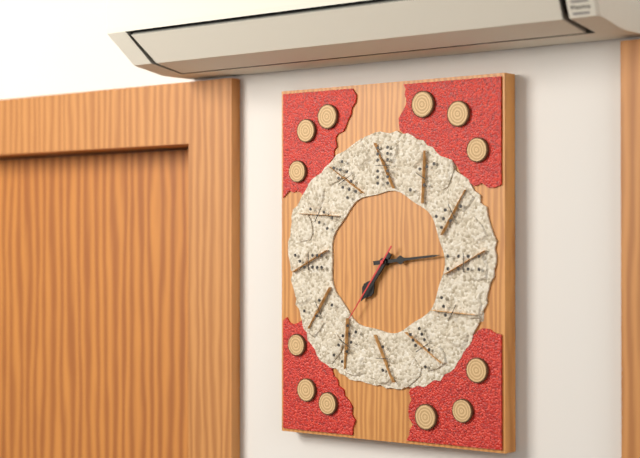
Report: 7:14:36
